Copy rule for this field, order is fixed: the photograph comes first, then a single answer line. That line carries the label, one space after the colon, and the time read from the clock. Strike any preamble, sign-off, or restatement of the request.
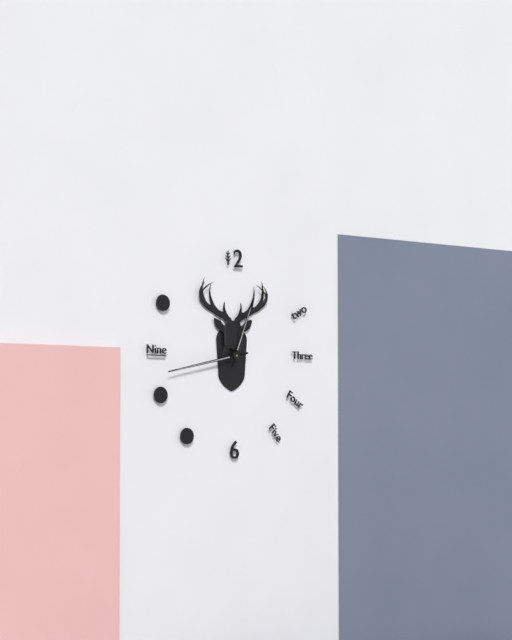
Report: 12:43
